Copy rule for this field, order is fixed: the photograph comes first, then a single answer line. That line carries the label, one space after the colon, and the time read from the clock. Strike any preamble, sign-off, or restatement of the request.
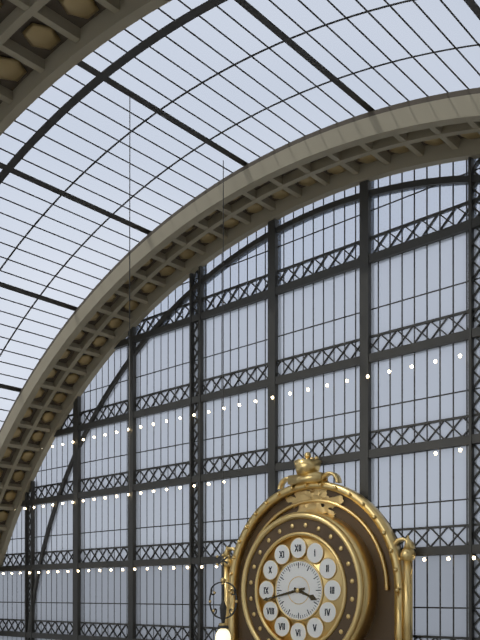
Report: 3:43
